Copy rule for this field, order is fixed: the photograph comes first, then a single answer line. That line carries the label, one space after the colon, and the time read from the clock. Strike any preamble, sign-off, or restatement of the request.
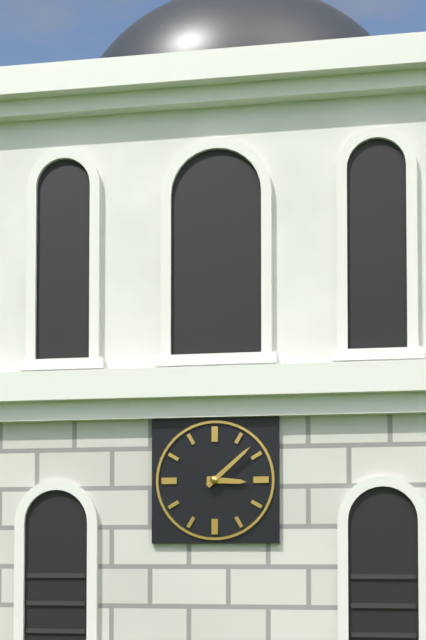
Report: 3:08
